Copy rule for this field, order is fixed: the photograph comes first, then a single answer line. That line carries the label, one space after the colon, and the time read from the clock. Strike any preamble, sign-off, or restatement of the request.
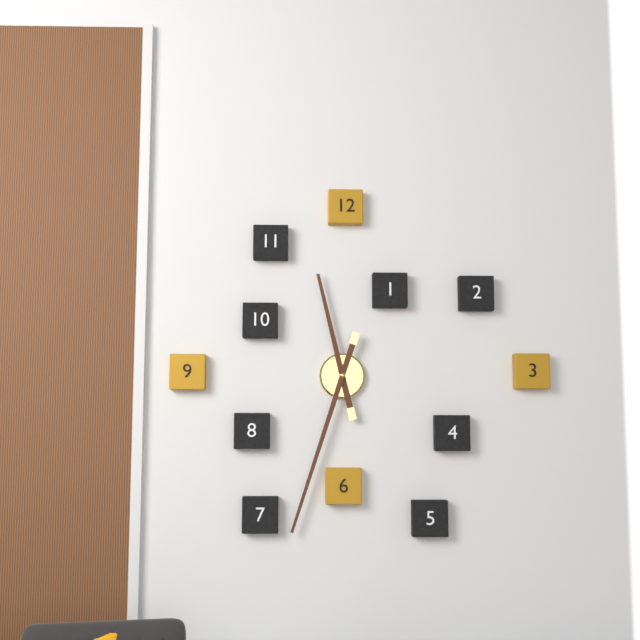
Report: 11:33
